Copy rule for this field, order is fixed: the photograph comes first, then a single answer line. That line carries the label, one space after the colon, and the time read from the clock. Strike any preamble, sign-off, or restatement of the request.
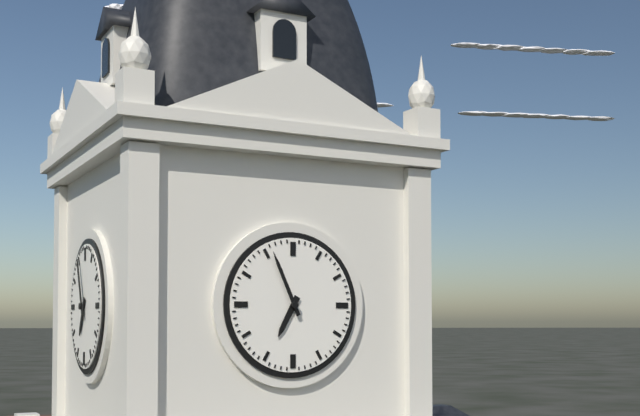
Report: 6:56
